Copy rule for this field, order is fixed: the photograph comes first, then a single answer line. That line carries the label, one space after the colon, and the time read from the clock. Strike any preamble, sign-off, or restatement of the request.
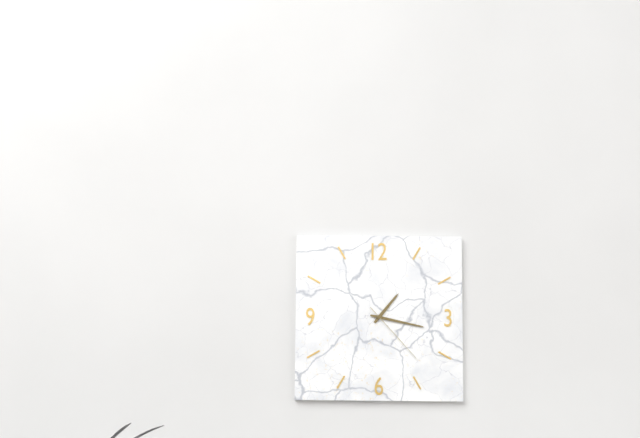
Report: 1:17:23
